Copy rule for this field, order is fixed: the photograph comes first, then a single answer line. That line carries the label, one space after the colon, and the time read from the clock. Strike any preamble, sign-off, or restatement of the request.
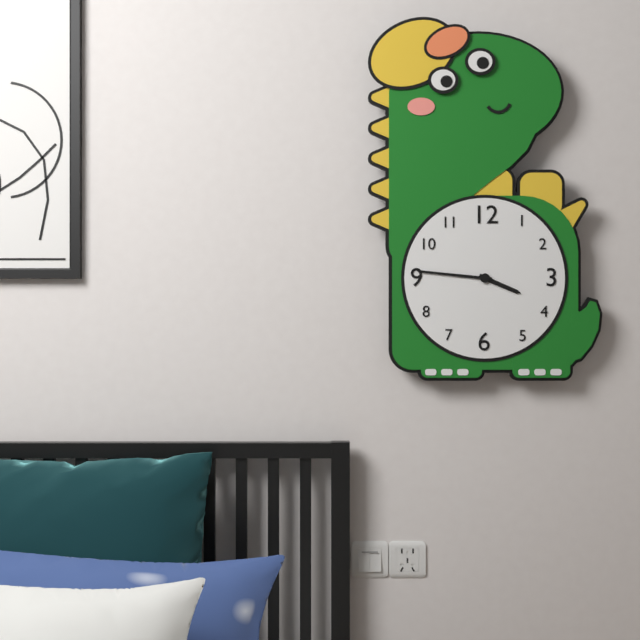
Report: 3:46
